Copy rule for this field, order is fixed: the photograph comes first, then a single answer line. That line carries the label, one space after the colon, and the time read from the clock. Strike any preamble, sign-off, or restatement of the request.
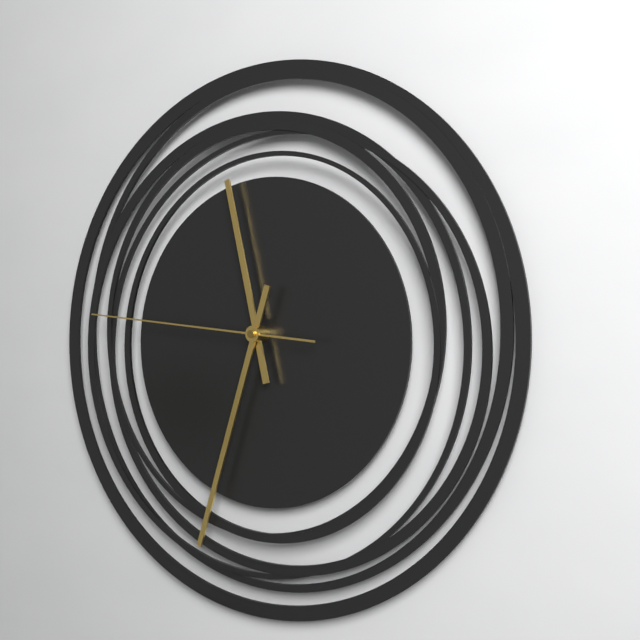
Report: 11:33:46
